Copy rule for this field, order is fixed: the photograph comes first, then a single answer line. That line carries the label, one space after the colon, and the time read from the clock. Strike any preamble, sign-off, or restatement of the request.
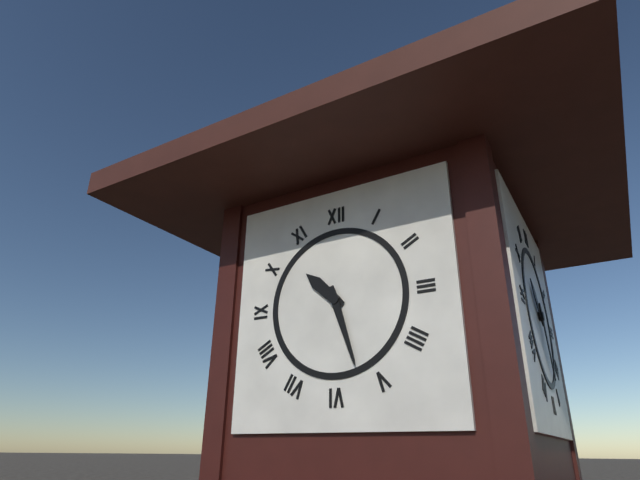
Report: 10:27
